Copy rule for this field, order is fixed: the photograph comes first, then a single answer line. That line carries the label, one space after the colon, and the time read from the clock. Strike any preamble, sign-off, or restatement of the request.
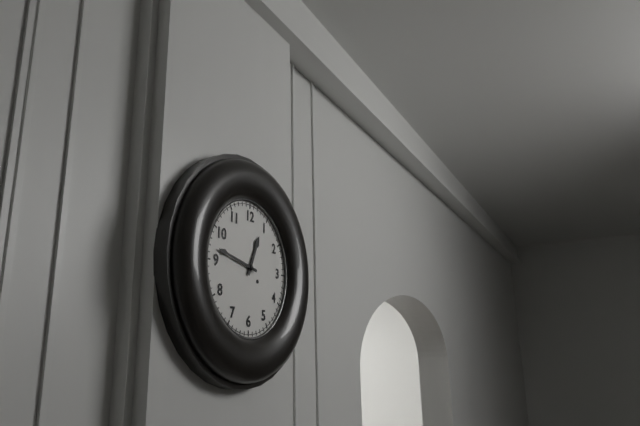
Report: 12:47
